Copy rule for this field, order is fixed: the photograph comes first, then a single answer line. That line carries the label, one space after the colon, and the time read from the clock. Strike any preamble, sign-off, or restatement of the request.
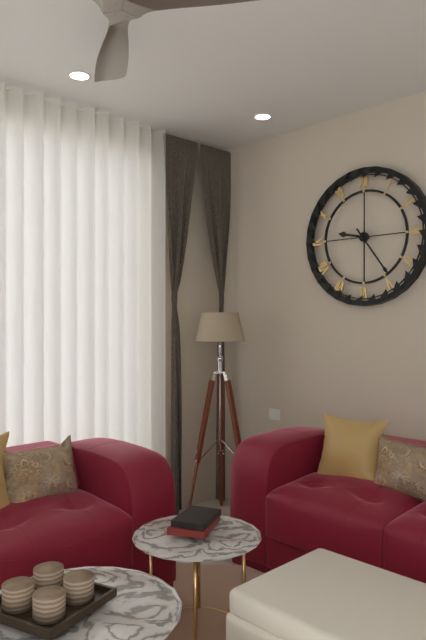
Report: 9:24
